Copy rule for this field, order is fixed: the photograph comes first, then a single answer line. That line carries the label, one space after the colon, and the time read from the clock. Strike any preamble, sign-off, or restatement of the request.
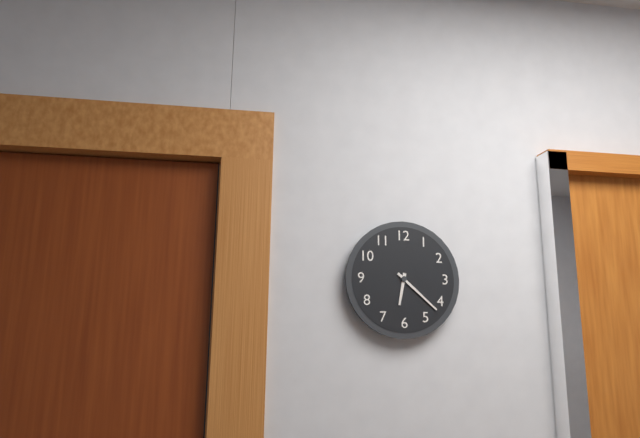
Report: 6:22
